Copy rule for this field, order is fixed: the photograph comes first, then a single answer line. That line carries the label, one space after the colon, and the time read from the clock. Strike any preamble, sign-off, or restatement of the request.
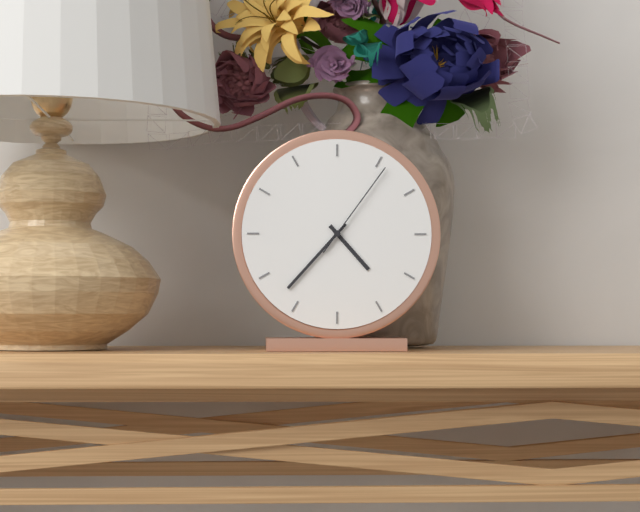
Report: 4:37:06
